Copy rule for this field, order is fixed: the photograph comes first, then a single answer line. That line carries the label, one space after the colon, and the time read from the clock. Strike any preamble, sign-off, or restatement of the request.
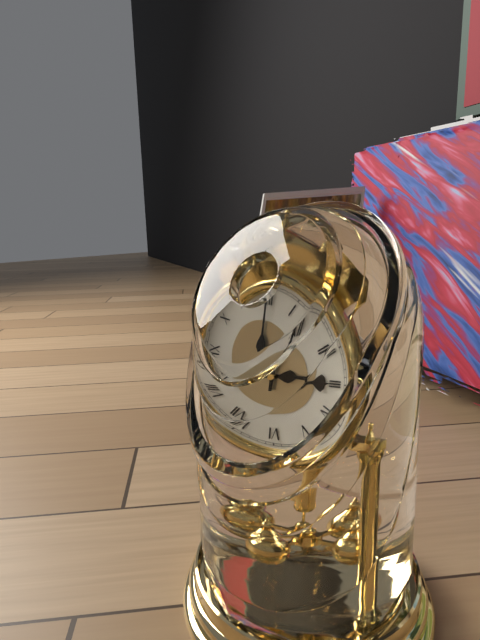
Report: 3:00
